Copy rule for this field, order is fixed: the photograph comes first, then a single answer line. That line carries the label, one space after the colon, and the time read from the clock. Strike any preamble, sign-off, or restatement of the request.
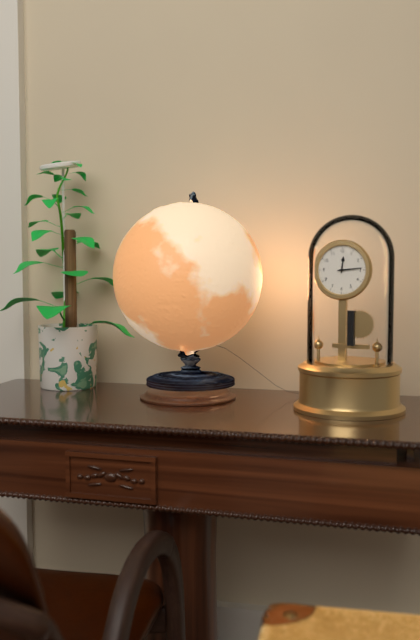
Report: 12:14
